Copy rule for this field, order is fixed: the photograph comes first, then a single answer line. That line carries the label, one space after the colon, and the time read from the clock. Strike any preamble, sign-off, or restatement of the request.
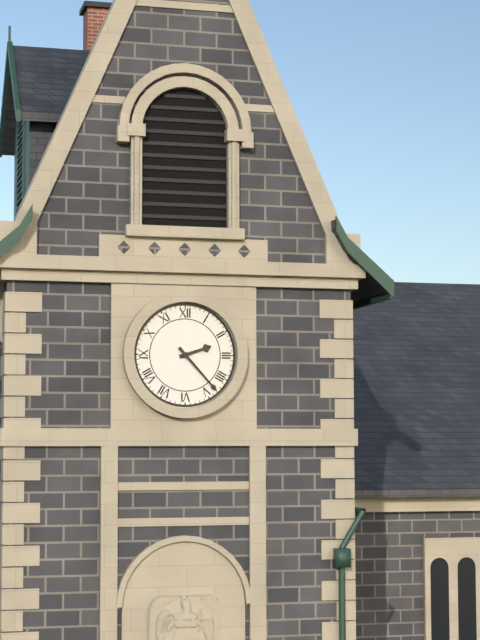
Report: 2:23
